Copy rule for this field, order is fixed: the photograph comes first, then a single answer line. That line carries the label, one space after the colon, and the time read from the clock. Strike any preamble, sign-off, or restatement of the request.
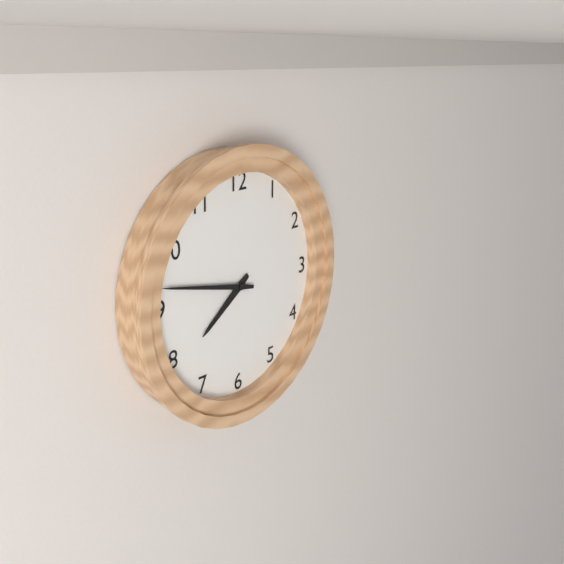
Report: 7:47
